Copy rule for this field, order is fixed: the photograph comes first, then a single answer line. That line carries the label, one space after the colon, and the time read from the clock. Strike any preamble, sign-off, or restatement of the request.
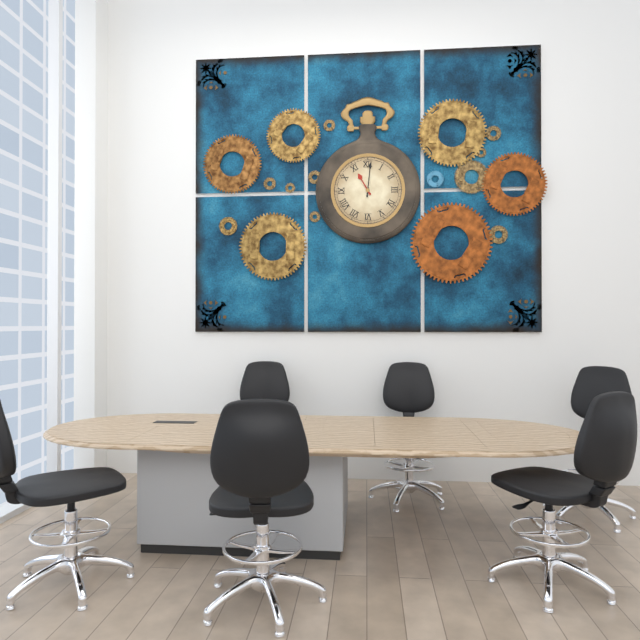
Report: 11:01
